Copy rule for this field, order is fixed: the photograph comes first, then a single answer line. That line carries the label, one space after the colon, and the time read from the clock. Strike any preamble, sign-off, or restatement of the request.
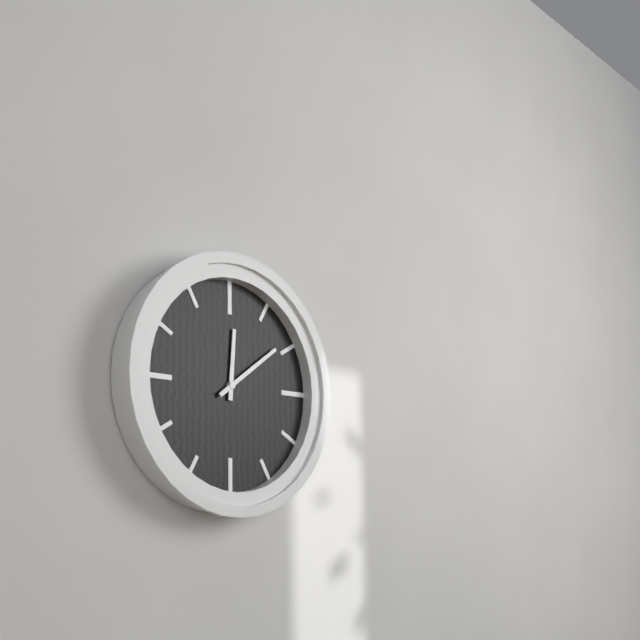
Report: 12:09
